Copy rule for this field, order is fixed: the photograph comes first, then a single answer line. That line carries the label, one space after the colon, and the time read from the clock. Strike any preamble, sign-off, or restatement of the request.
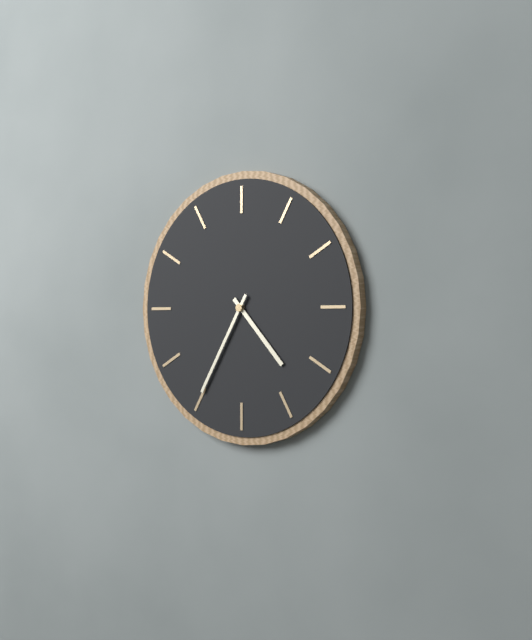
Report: 4:35
